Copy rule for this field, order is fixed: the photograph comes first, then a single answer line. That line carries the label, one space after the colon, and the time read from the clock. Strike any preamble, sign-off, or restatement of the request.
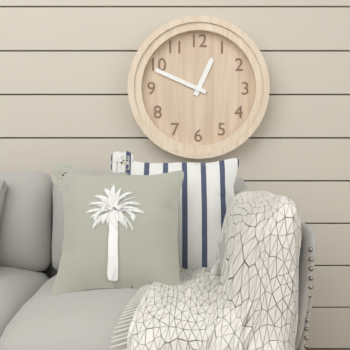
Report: 12:49
